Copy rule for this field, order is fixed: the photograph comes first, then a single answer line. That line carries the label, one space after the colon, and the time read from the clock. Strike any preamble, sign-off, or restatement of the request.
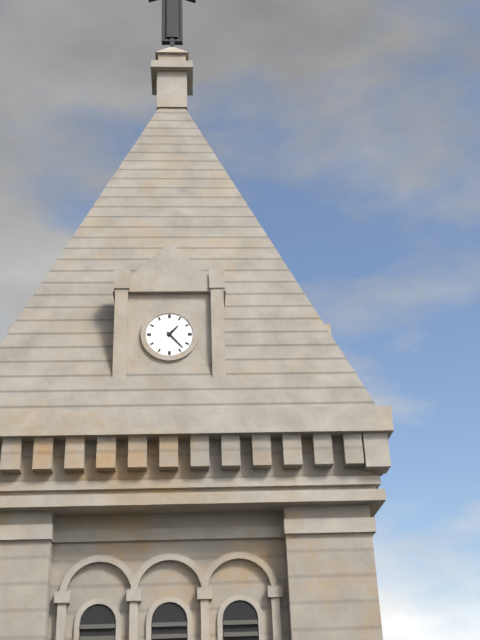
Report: 1:23
